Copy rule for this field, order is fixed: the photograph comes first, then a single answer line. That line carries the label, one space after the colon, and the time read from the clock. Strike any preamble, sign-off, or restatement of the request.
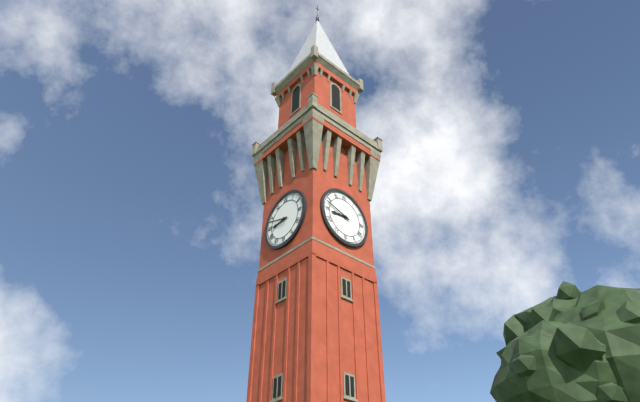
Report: 8:48
